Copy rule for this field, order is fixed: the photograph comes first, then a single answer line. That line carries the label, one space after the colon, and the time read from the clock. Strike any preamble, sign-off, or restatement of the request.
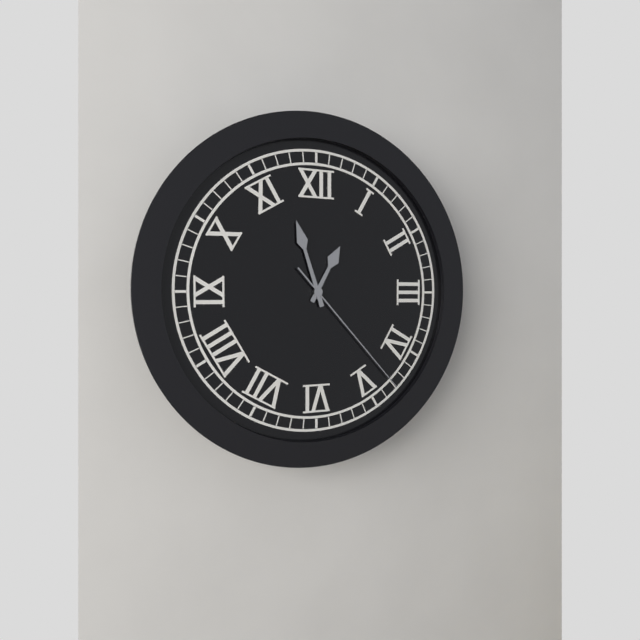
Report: 12:57:23
